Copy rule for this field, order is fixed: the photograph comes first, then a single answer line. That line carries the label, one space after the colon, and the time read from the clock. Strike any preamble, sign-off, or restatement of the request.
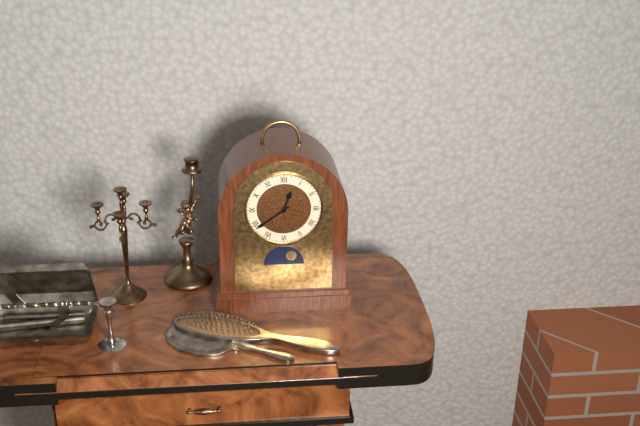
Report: 12:39
